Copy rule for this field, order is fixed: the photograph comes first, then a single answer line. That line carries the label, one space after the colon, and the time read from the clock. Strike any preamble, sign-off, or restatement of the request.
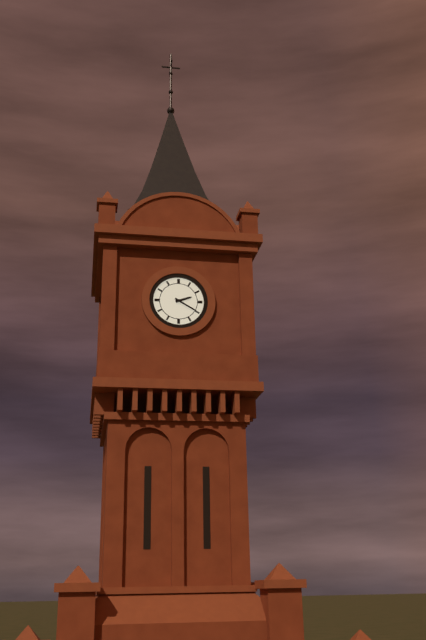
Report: 2:20
